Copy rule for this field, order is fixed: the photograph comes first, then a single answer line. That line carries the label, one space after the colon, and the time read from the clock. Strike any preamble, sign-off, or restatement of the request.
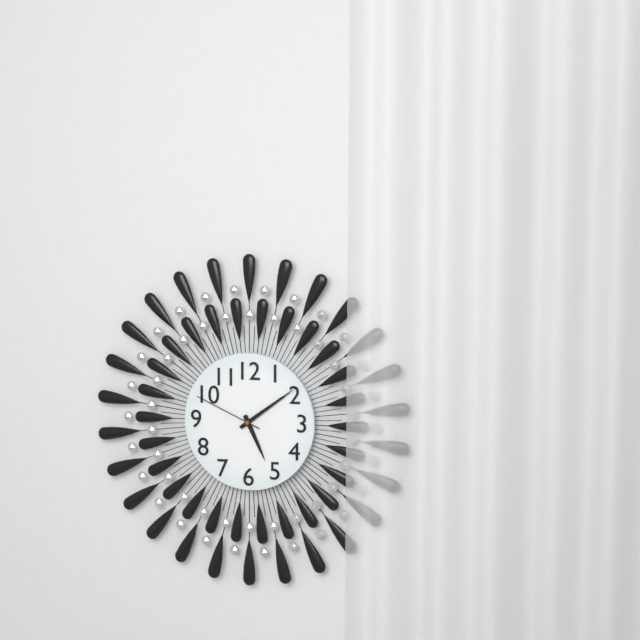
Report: 5:09:49
